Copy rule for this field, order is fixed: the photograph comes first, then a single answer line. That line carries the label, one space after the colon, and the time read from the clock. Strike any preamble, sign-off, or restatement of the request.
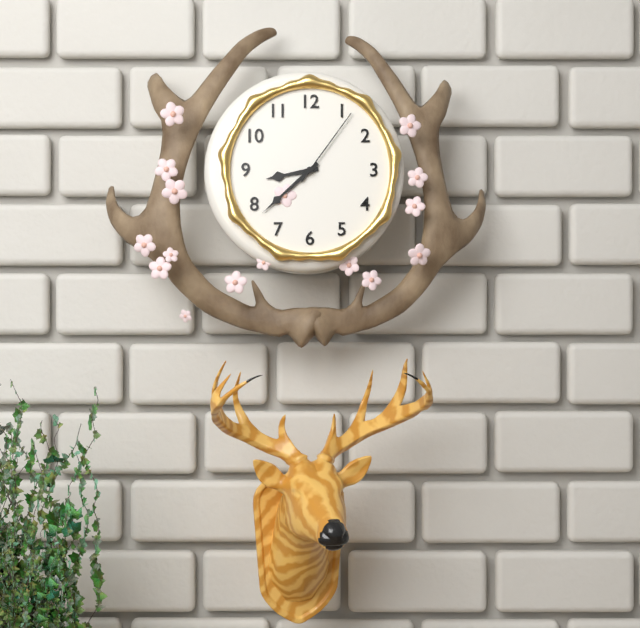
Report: 8:38:06
